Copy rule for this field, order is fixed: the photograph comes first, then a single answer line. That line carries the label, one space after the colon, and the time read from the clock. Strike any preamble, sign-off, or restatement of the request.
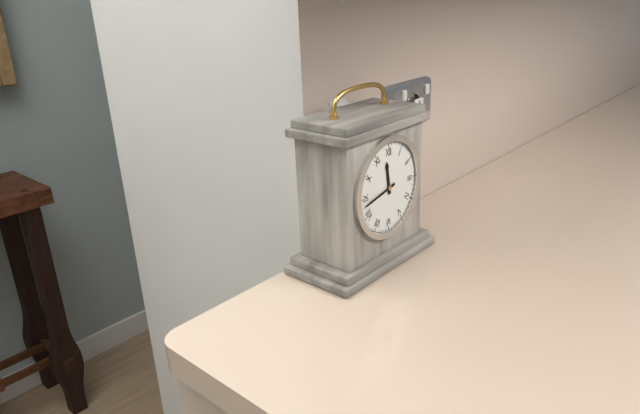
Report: 11:43
